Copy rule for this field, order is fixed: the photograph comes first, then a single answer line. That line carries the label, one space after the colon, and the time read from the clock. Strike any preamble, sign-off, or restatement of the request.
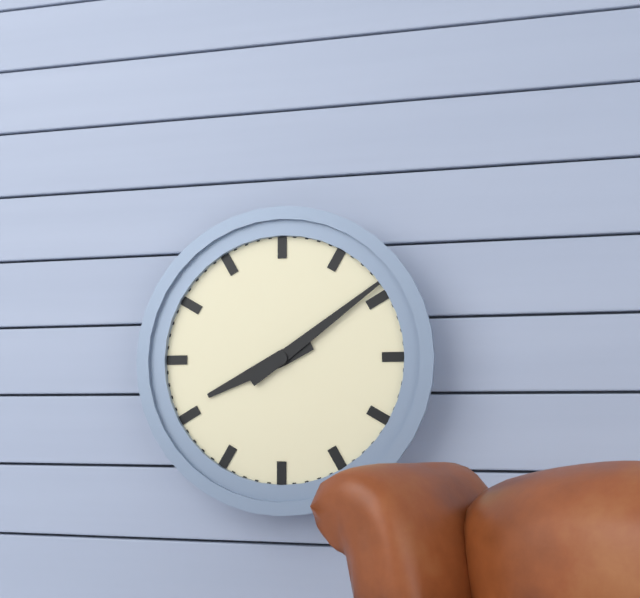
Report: 8:09
